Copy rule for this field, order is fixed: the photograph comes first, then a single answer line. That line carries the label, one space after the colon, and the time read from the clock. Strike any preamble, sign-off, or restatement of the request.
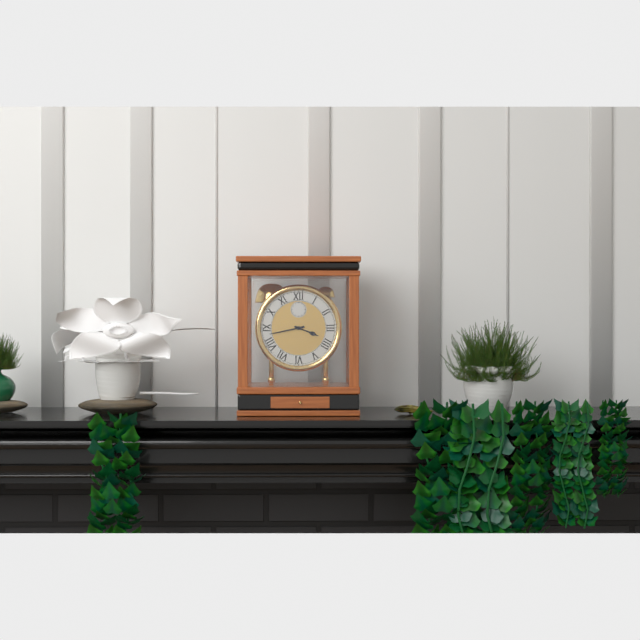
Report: 3:43
